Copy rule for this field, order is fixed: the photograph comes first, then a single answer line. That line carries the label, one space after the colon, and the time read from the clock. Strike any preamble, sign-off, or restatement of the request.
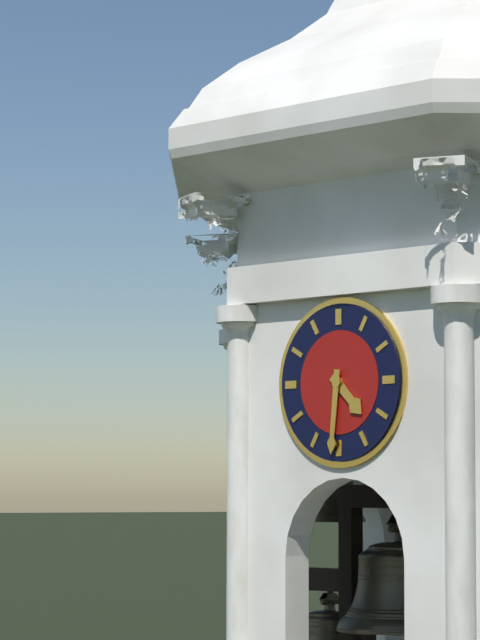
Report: 4:31
